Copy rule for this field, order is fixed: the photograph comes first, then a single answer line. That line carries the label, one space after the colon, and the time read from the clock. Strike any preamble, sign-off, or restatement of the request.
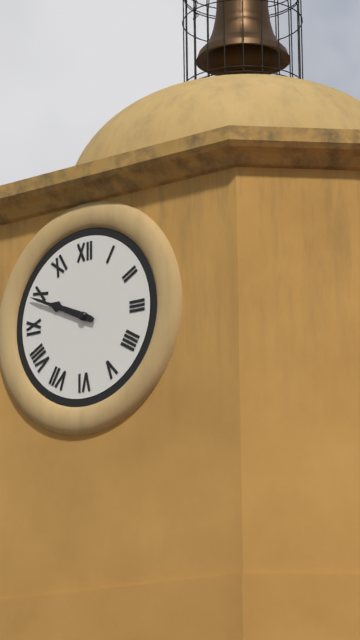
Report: 9:49
